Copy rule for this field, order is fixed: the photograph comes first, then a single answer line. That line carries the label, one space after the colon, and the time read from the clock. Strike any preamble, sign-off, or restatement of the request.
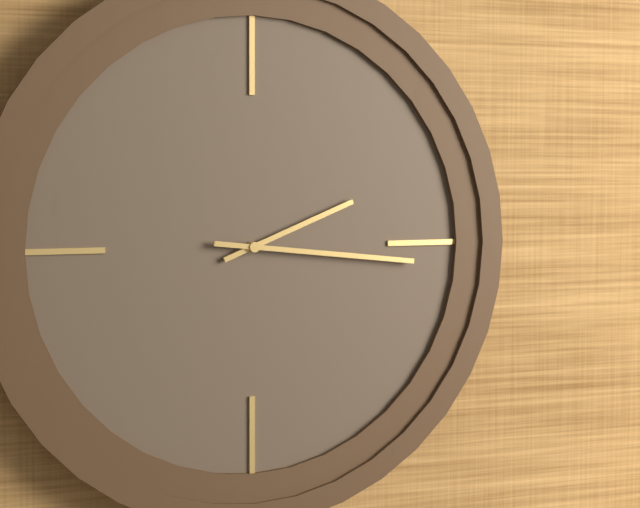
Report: 2:16
